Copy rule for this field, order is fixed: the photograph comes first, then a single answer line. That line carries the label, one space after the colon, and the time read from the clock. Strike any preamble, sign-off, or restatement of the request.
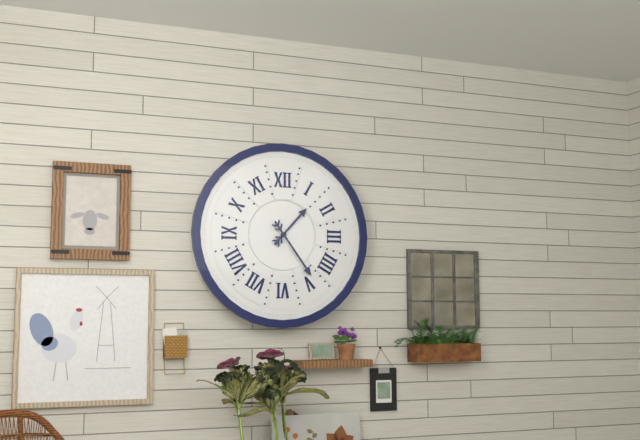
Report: 1:24
